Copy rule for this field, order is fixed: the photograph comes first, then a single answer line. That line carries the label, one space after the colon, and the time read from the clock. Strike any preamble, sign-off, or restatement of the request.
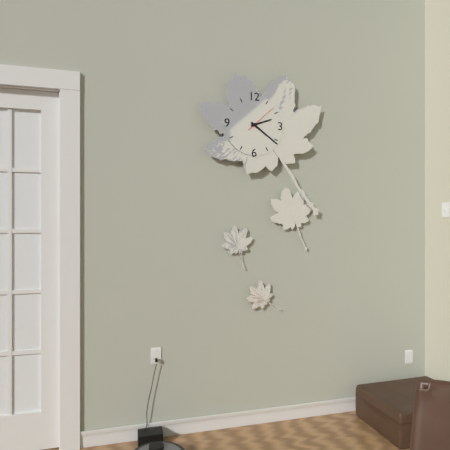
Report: 2:21
